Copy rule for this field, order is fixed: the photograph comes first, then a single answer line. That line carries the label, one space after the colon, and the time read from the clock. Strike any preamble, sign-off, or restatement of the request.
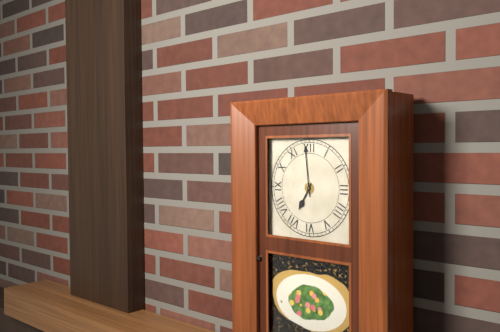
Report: 6:59
